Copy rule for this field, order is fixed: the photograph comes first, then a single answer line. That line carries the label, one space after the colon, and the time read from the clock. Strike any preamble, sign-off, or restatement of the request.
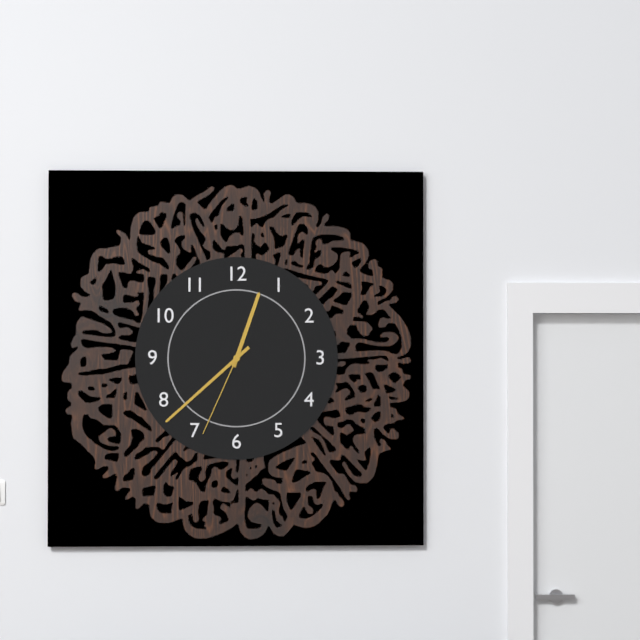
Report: 12:38:34
